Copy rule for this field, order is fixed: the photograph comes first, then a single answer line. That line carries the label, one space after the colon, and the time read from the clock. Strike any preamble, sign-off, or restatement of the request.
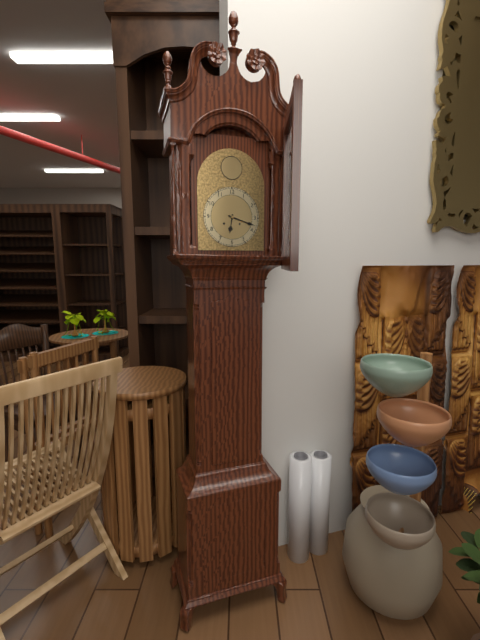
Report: 6:18
